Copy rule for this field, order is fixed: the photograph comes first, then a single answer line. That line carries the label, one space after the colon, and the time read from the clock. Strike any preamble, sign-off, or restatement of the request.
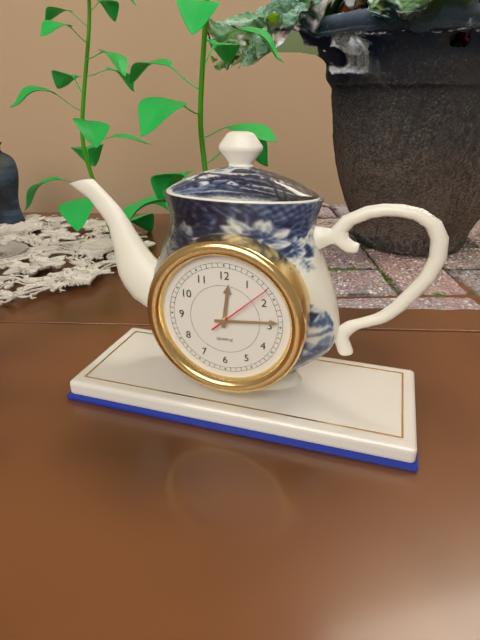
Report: 12:14:08
